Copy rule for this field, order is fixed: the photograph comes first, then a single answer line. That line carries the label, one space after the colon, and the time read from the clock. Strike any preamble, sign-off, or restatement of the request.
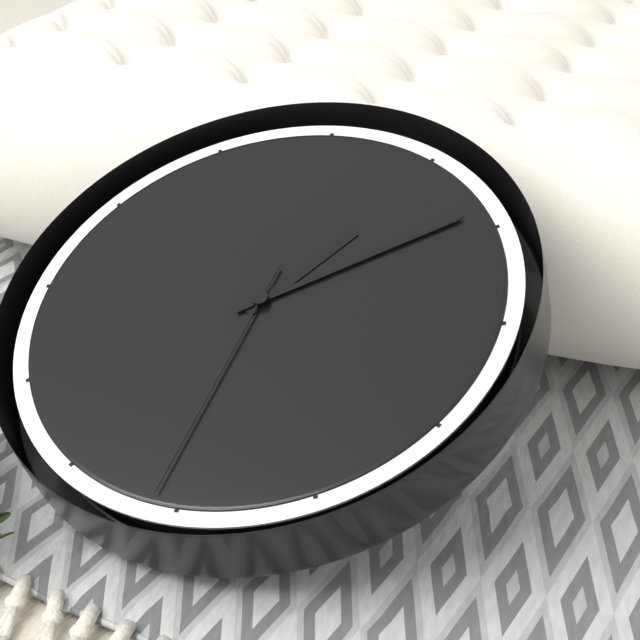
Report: 1:09:31
